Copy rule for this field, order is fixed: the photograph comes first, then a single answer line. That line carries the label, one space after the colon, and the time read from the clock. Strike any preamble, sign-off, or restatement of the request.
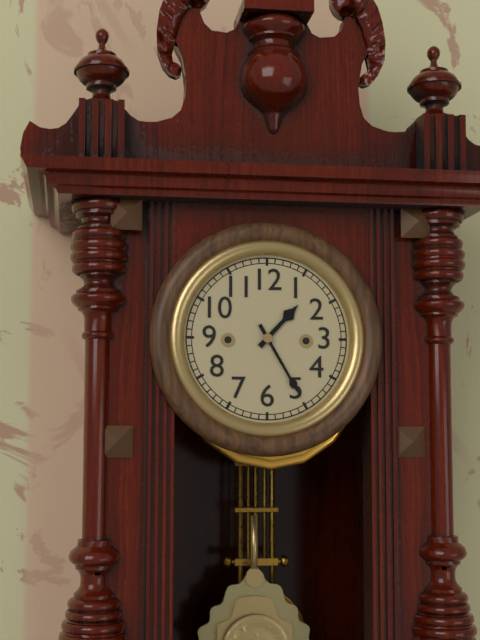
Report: 1:25
